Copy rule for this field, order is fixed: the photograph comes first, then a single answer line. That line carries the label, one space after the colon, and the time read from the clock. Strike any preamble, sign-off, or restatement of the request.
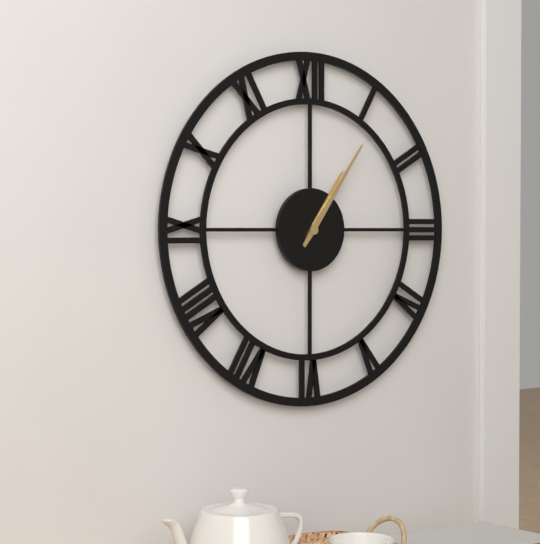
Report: 1:06
